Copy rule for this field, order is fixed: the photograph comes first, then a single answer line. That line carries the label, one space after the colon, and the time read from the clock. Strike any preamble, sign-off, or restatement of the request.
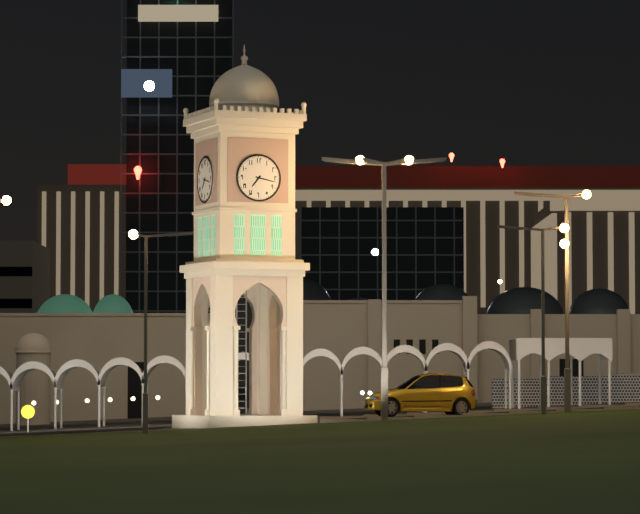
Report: 7:17
